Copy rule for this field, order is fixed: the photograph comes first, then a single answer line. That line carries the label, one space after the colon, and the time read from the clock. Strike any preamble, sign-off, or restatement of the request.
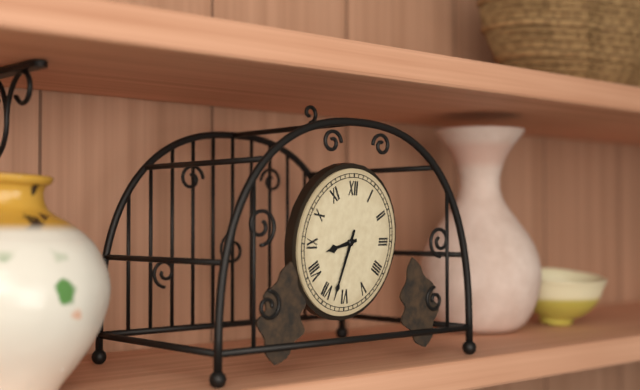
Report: 8:33
